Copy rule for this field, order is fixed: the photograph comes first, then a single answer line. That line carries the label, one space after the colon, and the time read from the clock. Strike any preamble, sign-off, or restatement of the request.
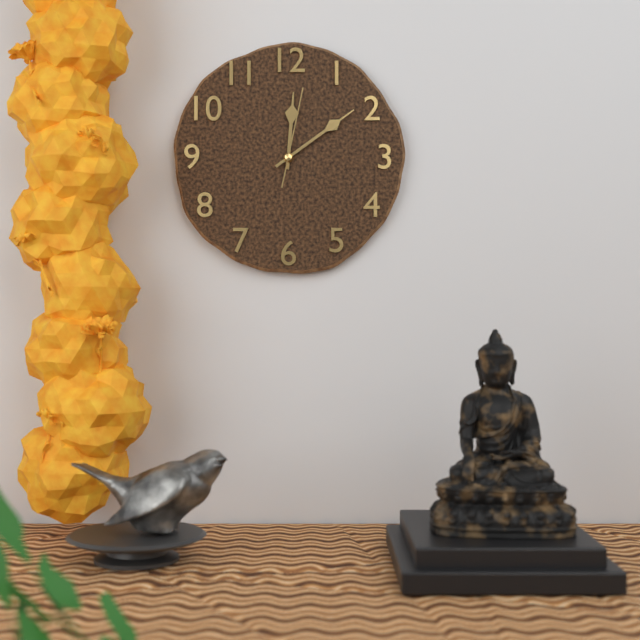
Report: 12:09:02
